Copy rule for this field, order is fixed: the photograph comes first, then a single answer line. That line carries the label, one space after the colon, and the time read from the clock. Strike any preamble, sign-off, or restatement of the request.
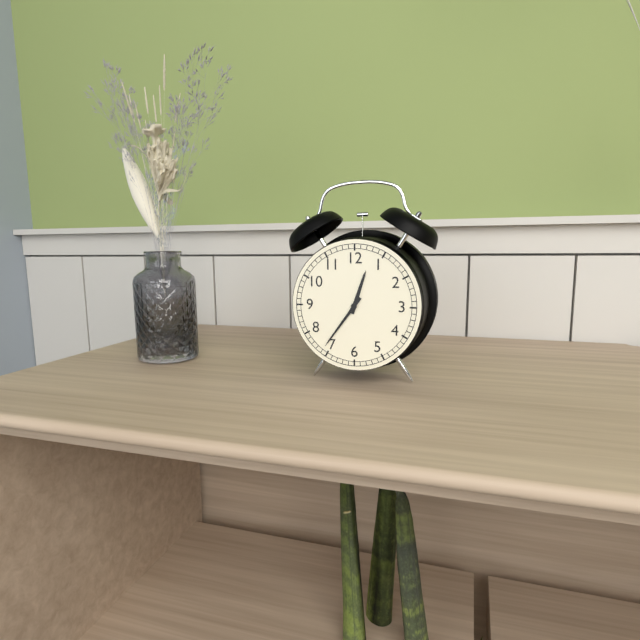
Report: 12:36
